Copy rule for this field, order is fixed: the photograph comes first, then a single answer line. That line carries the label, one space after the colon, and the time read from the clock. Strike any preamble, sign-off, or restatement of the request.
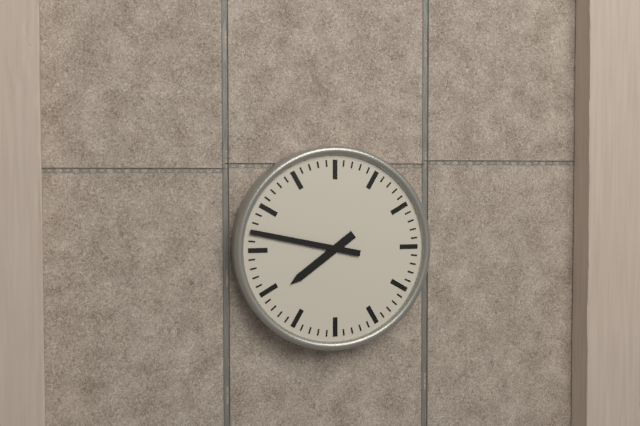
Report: 7:47
